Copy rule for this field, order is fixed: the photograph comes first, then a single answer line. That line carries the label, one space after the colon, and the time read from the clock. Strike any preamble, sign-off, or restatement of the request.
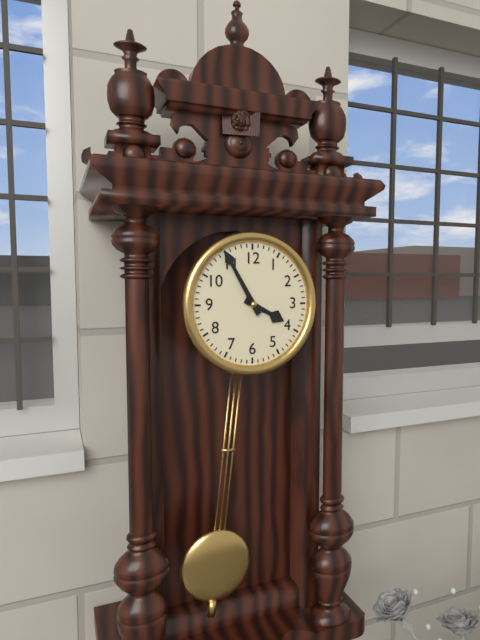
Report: 3:55
